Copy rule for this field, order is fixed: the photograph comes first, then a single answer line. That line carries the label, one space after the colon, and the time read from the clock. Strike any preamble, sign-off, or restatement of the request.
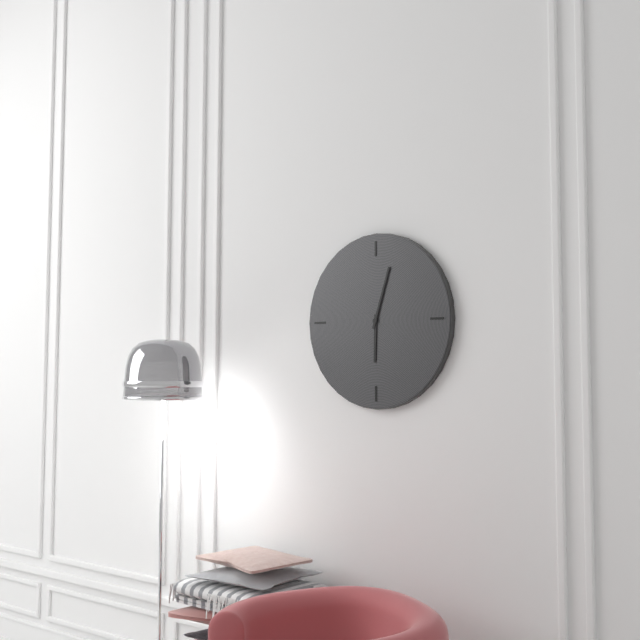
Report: 6:03
